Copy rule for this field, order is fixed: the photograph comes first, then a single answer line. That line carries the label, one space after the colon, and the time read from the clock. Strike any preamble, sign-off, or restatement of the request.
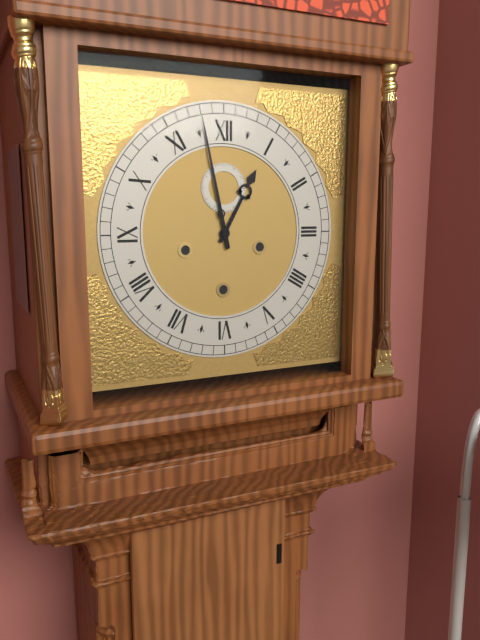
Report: 12:58
